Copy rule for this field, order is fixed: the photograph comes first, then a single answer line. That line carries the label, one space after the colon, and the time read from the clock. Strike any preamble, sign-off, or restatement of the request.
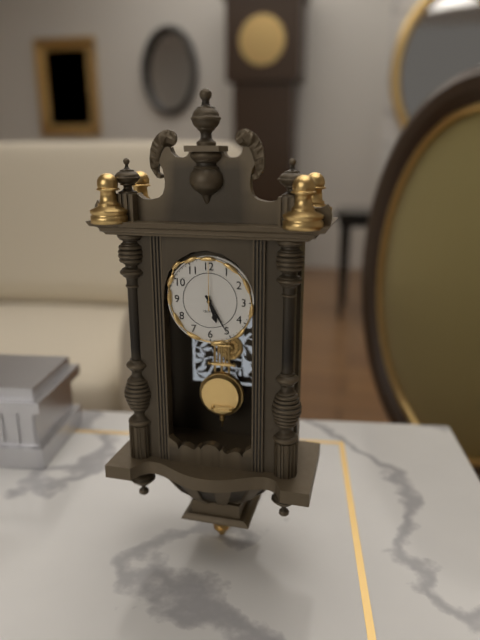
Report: 5:25
